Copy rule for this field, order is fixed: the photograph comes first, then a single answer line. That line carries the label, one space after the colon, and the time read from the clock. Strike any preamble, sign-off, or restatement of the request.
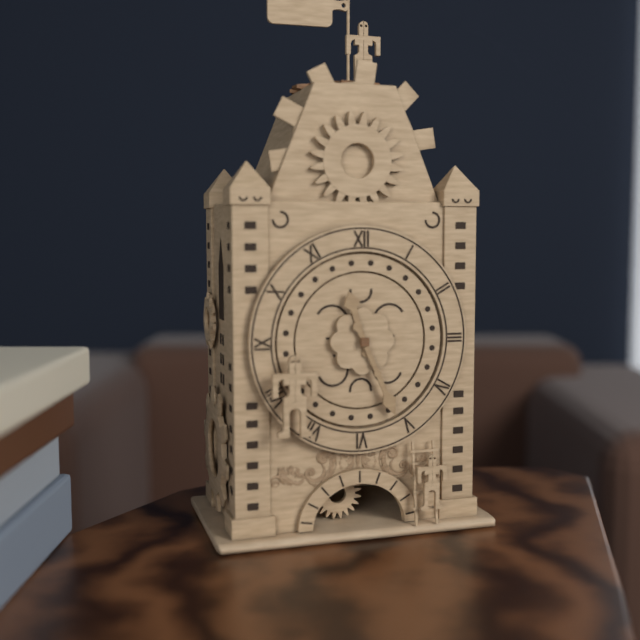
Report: 11:26
